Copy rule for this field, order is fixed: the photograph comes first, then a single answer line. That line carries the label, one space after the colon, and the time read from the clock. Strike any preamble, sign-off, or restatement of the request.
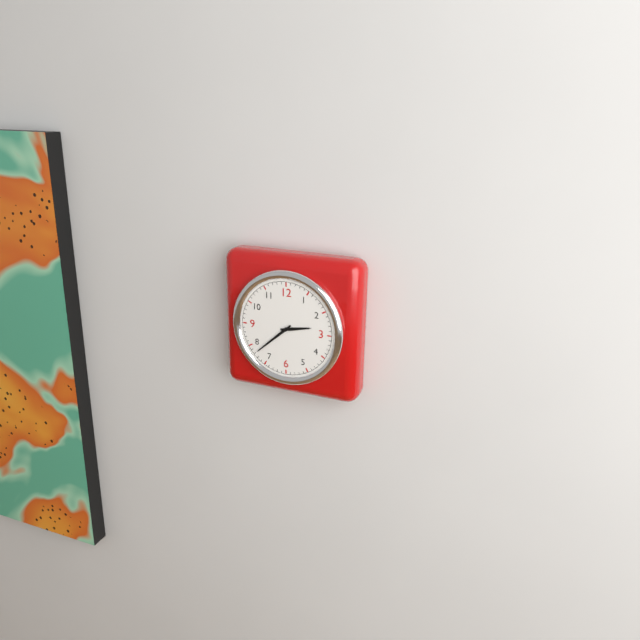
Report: 2:38
